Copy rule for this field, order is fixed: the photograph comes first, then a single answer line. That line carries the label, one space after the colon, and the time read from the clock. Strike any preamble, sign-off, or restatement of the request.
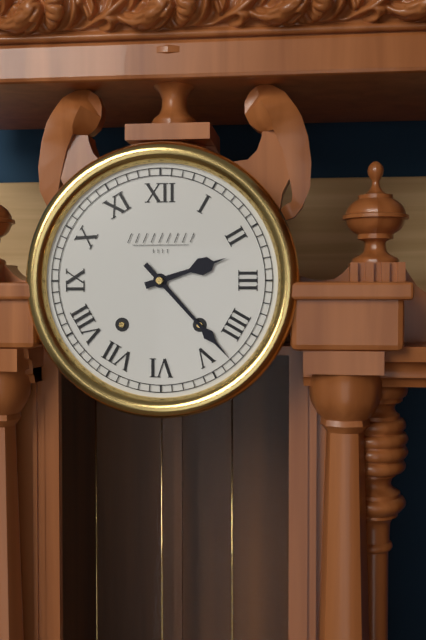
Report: 2:23
